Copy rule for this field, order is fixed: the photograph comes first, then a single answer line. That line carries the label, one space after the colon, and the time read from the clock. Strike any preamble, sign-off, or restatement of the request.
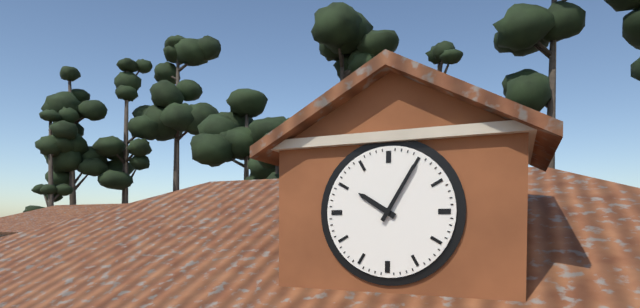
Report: 10:05
